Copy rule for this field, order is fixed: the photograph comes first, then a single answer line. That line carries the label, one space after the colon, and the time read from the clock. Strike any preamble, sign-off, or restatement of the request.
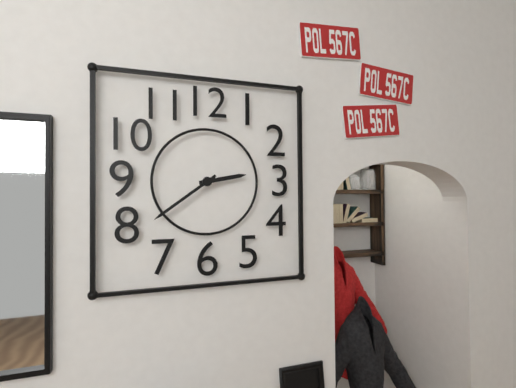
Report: 2:39
